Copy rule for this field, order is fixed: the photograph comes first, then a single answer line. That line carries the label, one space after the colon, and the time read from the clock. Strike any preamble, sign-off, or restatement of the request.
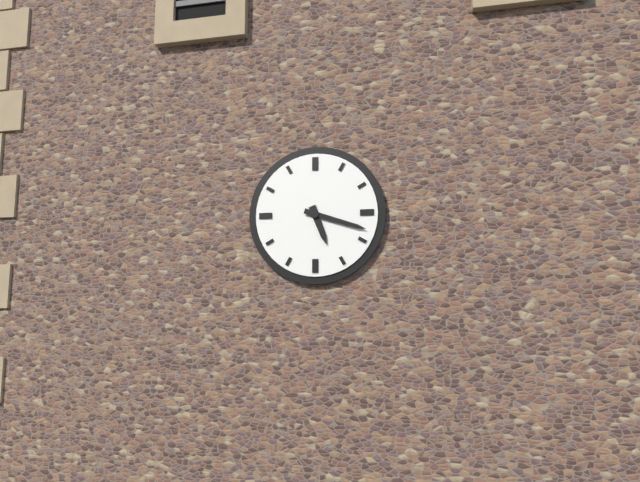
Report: 5:18
